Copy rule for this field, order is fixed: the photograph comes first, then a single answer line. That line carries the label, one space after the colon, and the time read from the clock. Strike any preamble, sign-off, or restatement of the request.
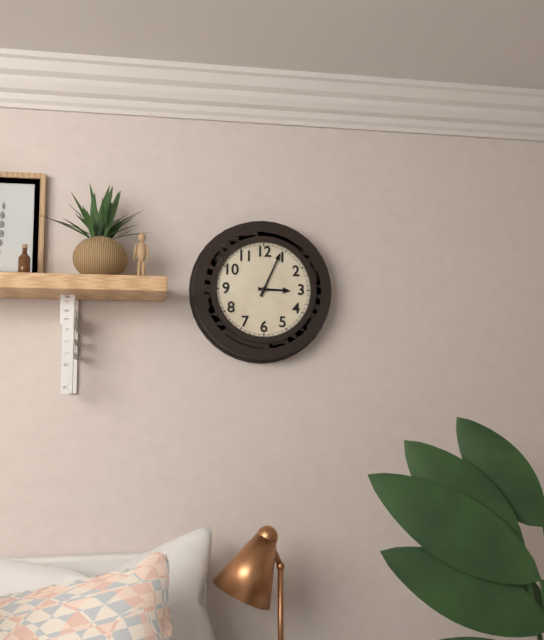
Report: 3:04
